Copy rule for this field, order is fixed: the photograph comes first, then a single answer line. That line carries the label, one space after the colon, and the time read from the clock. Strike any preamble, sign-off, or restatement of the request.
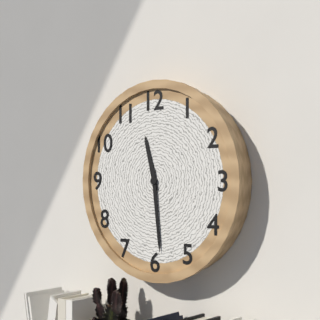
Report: 11:29
